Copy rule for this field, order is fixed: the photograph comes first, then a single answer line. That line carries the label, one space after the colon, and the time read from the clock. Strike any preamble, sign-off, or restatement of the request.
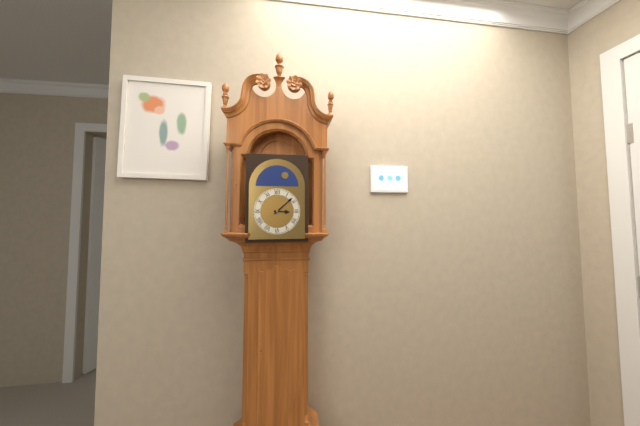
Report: 3:08
